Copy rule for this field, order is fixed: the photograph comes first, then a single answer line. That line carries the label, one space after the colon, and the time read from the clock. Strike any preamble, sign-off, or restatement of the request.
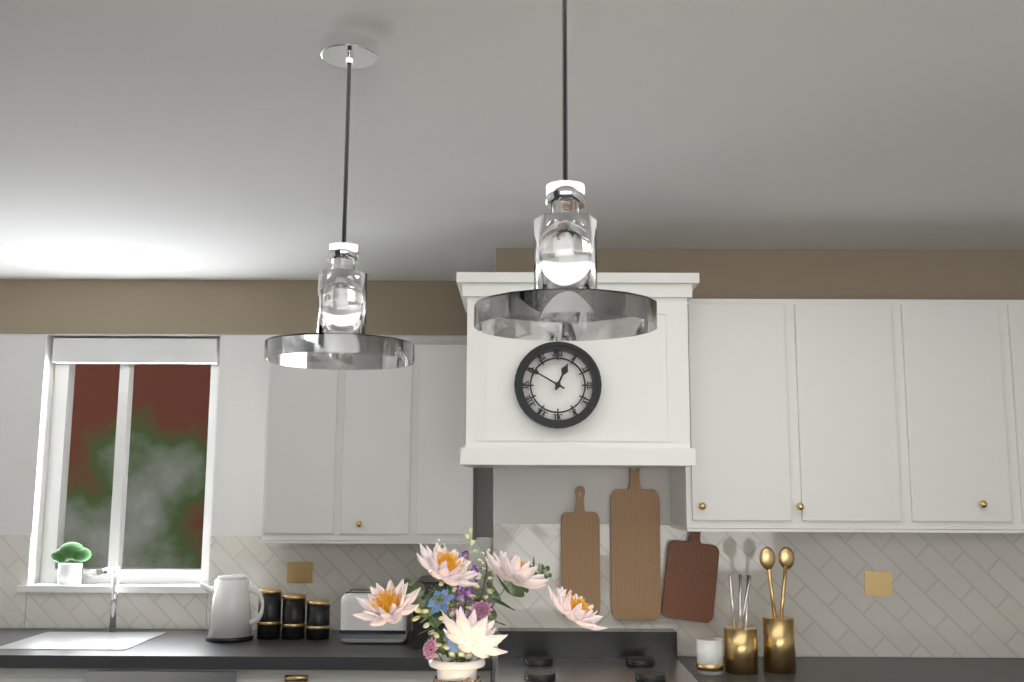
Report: 12:50
